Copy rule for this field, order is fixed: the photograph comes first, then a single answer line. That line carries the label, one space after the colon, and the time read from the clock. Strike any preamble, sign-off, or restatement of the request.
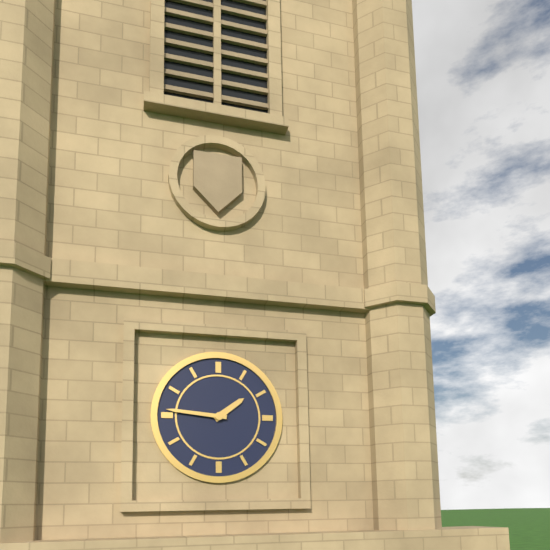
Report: 1:46
